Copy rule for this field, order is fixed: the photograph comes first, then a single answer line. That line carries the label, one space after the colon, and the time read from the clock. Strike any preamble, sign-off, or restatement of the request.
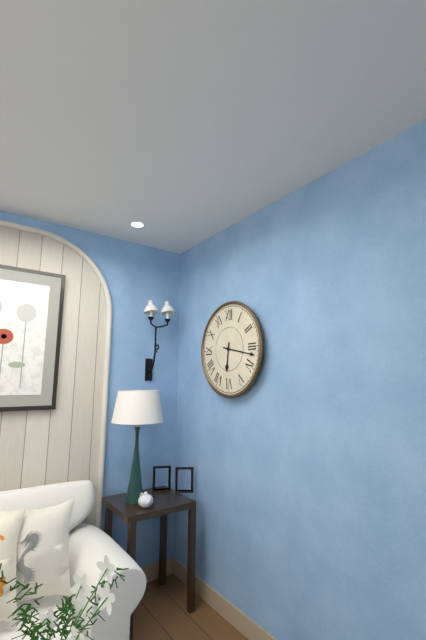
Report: 6:17
